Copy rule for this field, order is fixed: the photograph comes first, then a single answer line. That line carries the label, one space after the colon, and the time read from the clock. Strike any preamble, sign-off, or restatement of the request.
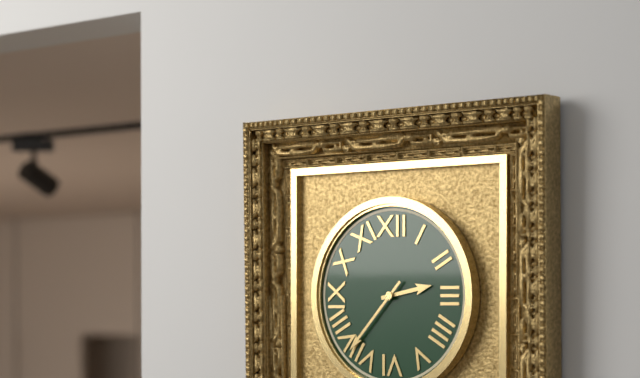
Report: 2:37
